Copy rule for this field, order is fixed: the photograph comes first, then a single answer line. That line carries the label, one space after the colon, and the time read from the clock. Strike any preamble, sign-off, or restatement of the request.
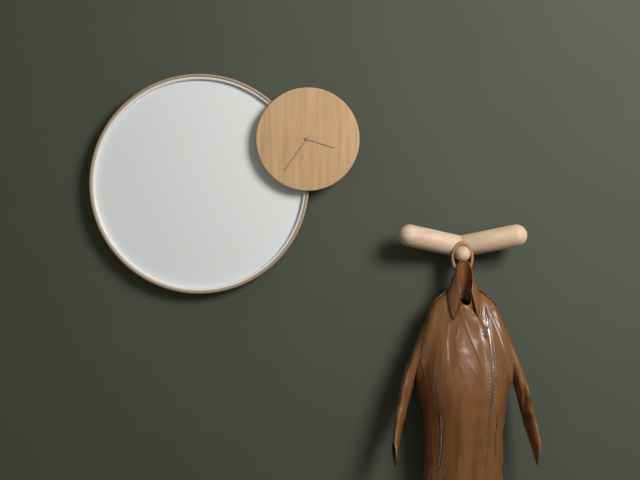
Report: 3:36
